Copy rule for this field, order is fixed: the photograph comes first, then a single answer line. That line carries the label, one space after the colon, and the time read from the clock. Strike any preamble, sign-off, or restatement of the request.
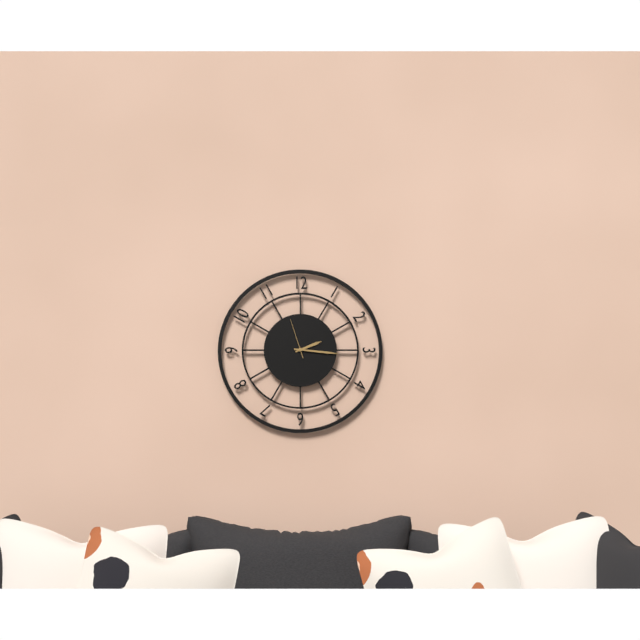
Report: 2:16
